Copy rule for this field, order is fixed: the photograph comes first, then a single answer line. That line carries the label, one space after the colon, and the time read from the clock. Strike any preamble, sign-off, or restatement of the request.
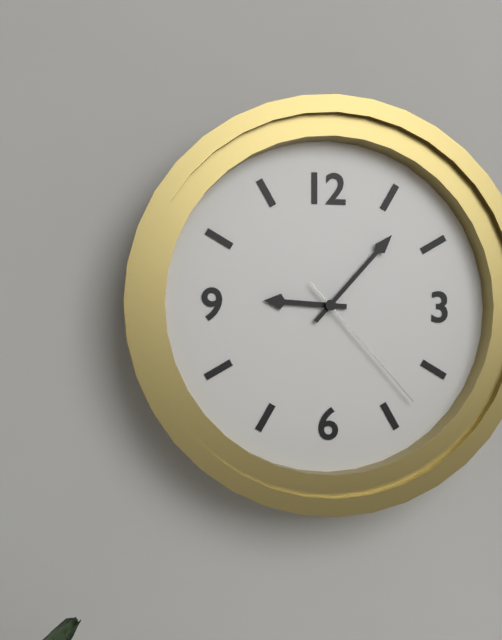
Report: 9:07:23
